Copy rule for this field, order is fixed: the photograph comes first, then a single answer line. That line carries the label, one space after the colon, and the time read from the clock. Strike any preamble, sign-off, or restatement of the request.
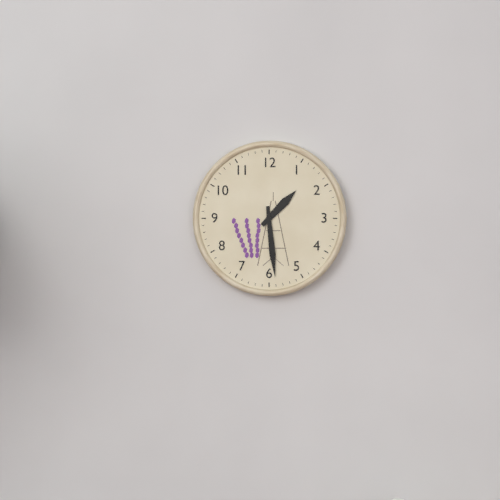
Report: 1:29
